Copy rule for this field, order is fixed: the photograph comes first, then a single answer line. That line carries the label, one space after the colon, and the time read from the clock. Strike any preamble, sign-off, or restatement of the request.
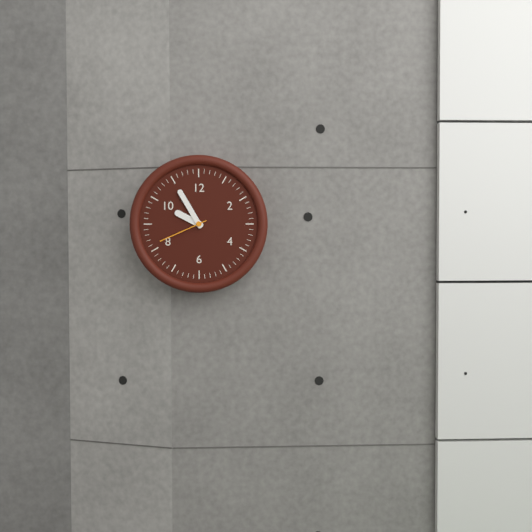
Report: 9:55:41
